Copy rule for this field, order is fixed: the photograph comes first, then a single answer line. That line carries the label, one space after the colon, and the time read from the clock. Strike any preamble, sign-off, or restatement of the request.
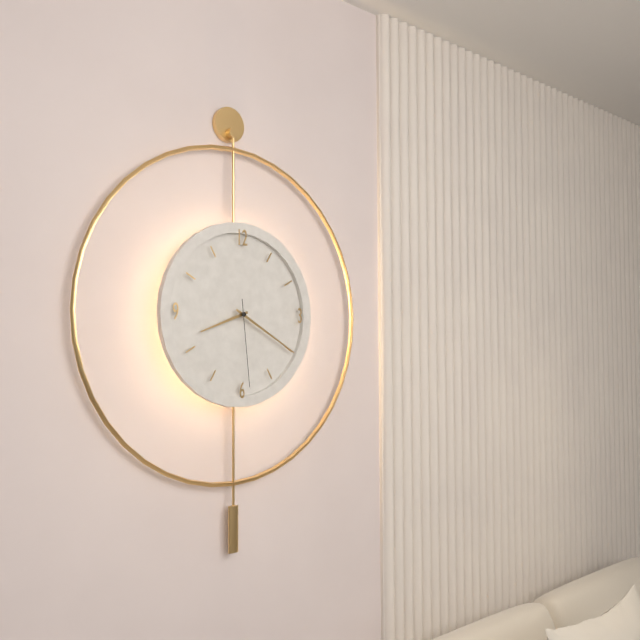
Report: 8:20:29
